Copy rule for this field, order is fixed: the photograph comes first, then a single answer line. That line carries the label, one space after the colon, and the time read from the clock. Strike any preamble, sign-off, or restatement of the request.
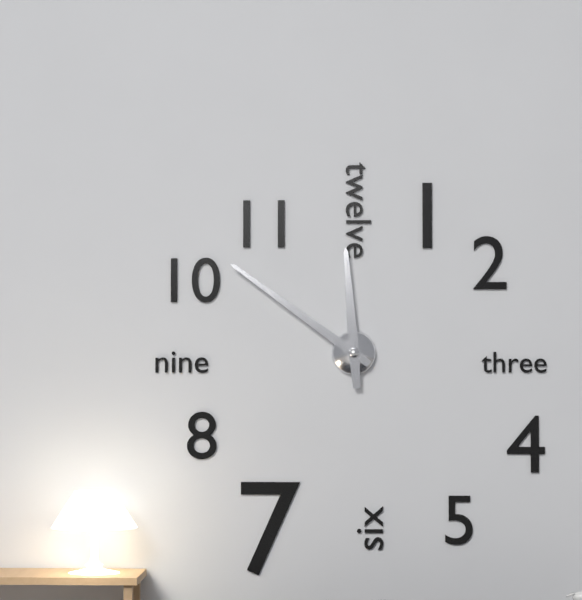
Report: 11:51
